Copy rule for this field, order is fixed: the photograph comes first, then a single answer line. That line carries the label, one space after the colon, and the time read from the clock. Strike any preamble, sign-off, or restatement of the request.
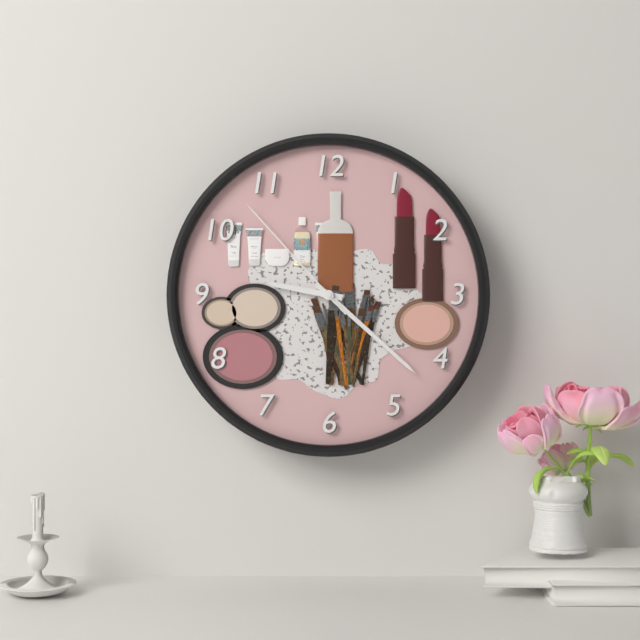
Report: 9:22:53
